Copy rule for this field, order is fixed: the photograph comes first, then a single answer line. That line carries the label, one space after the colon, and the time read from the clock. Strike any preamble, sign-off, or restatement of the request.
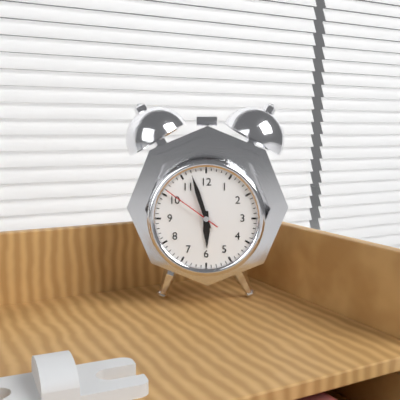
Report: 5:57:51
